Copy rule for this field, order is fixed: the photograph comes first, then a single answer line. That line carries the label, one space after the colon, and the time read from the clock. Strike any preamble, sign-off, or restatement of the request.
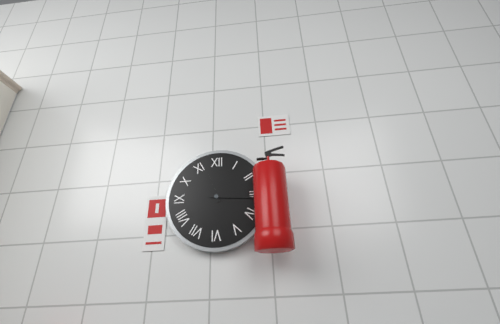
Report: 11:16
